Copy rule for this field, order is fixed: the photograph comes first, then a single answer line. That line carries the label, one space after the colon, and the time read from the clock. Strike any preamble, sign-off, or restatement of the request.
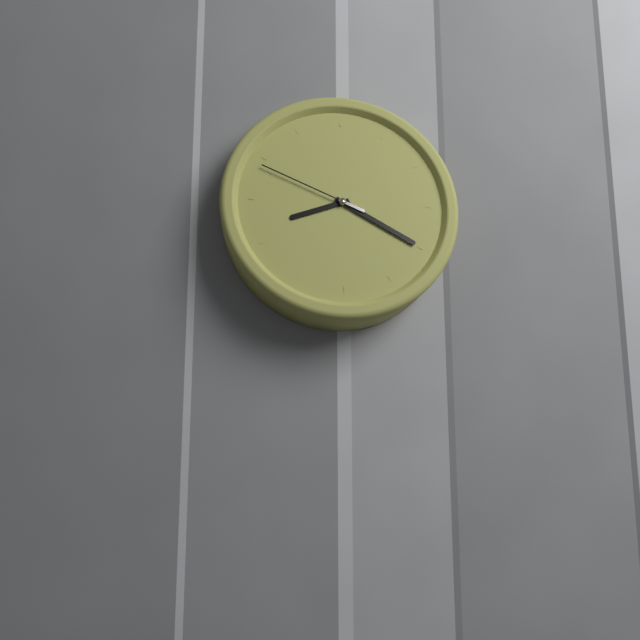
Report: 8:20:49
